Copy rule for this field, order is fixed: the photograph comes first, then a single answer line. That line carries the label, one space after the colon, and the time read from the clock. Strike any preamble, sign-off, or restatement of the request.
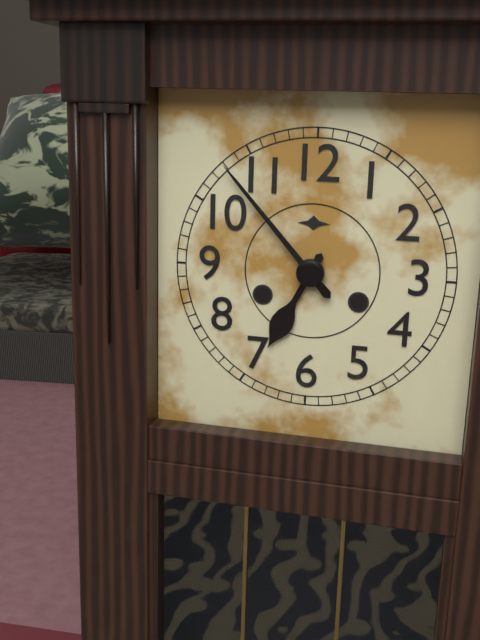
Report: 6:53
